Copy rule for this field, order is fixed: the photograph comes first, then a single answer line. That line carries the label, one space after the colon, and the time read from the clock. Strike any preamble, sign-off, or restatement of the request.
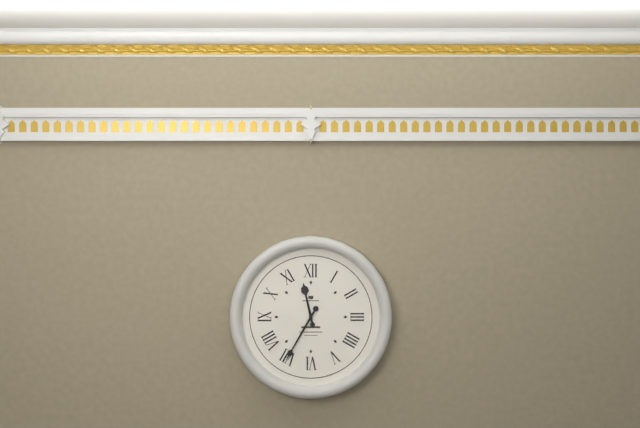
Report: 11:35
